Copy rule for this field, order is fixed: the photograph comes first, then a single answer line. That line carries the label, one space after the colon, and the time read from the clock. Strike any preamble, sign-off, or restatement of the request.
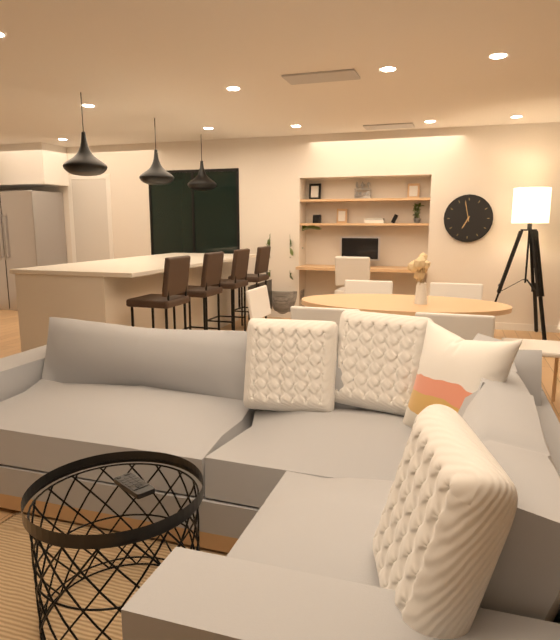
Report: 6:58
